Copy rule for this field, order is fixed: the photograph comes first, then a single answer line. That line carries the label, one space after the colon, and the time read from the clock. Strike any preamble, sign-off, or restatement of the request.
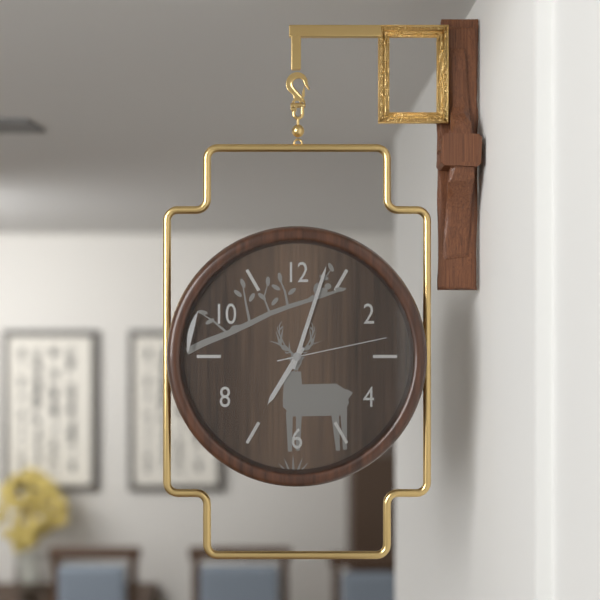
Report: 7:03:13
